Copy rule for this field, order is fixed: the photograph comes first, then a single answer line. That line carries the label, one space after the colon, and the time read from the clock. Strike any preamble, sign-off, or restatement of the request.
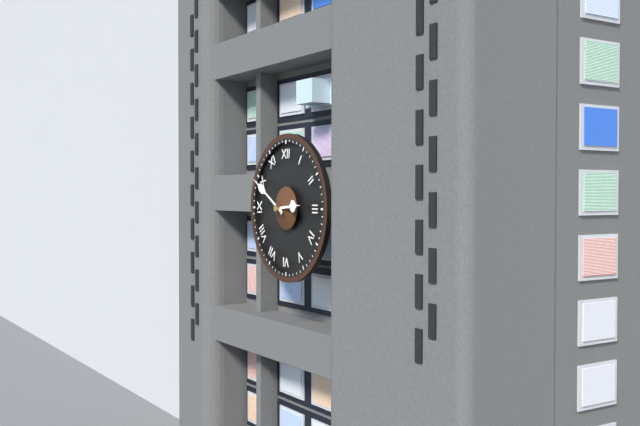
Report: 2:50
